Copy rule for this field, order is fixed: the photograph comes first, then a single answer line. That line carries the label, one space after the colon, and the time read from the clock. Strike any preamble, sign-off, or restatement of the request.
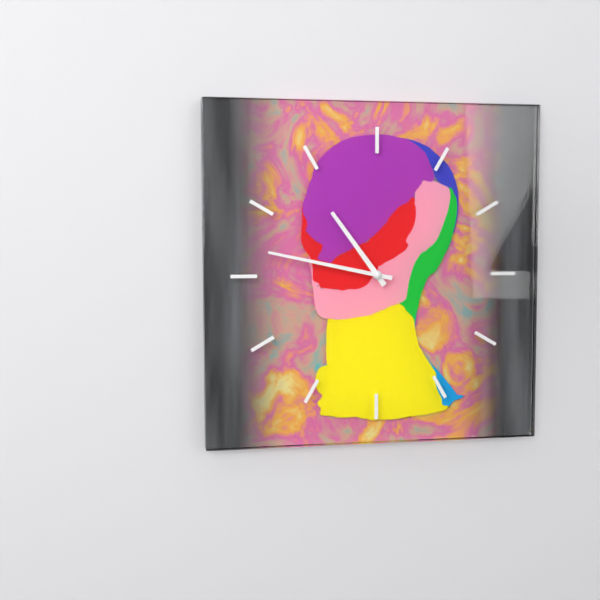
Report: 10:47
